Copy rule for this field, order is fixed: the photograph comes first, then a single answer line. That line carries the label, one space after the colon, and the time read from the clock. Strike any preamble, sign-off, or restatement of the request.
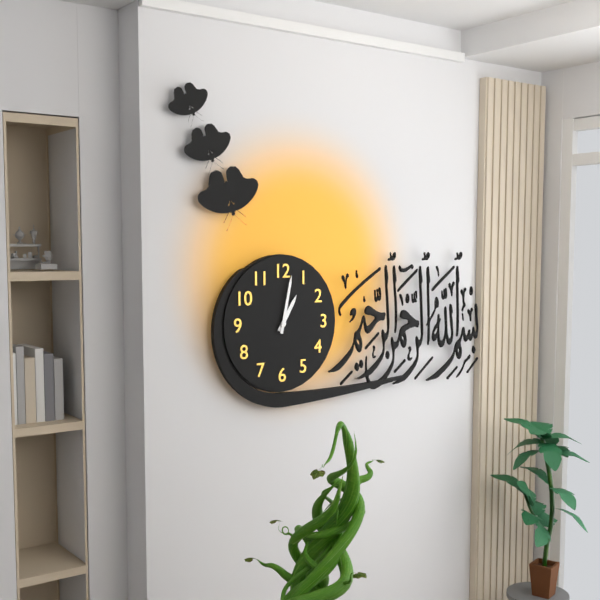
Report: 1:02
